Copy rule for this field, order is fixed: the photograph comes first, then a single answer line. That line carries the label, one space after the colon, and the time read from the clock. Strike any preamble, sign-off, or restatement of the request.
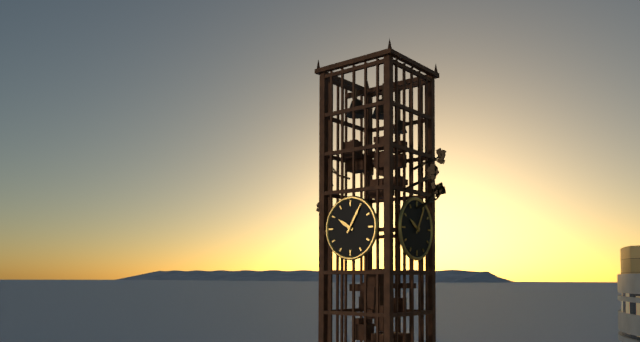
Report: 10:05
